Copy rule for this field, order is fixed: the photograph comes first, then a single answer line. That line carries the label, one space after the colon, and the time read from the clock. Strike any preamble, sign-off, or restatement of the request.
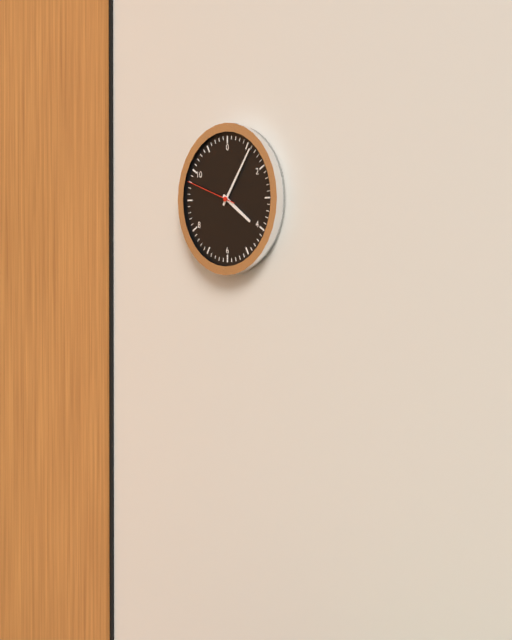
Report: 4:06:48
